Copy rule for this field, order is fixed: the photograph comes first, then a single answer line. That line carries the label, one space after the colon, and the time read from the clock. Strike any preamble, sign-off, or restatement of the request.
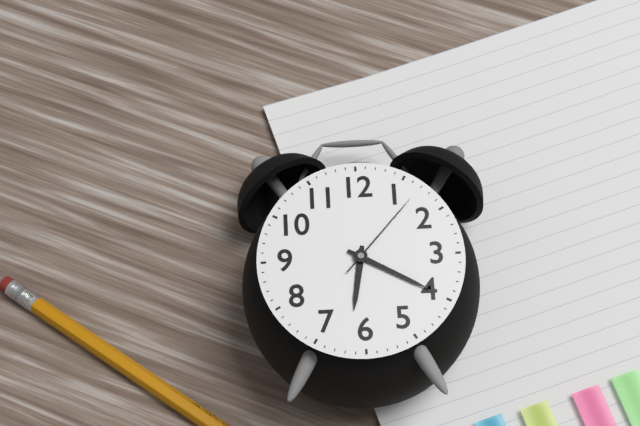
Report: 6:20:07
